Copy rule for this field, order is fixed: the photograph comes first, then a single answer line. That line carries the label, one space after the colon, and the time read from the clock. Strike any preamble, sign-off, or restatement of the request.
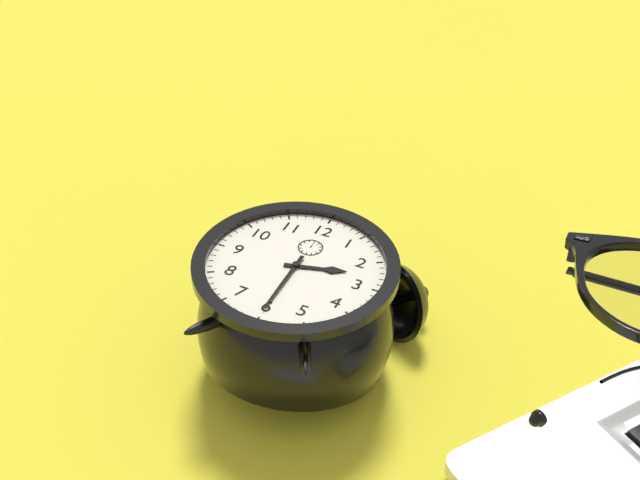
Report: 2:30
